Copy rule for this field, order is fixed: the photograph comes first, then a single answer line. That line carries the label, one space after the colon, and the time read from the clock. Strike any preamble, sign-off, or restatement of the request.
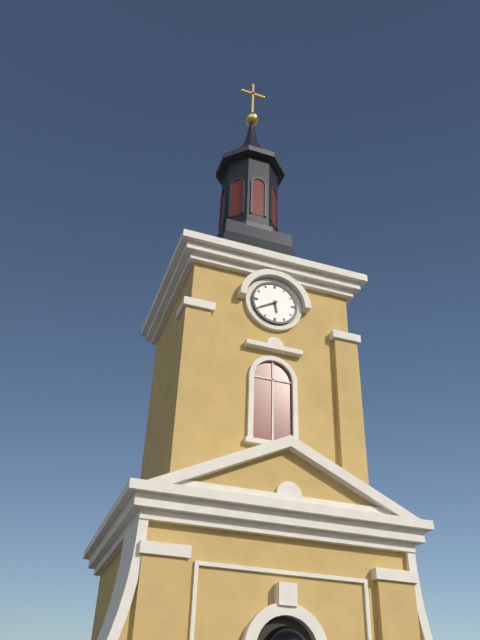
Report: 5:40
